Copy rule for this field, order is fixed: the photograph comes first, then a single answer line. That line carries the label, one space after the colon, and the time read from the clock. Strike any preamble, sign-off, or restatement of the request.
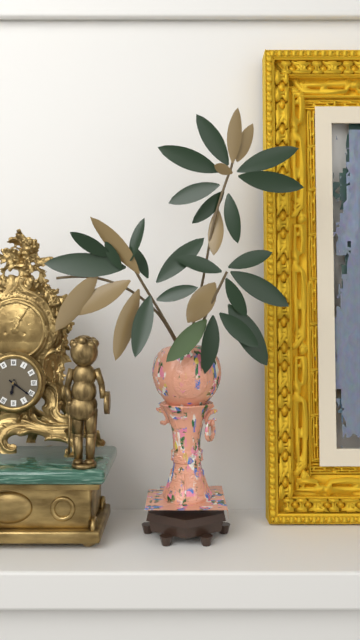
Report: 6:21
